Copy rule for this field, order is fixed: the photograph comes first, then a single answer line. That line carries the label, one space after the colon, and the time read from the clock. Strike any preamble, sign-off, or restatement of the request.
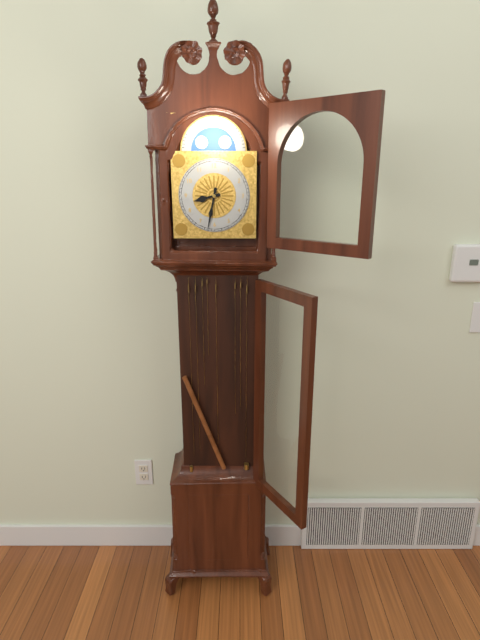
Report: 8:32
